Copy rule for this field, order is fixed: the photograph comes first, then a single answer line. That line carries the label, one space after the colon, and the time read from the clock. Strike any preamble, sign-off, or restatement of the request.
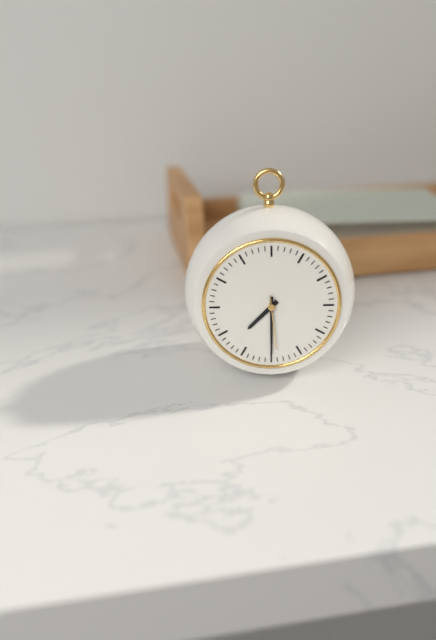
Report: 7:30:29
